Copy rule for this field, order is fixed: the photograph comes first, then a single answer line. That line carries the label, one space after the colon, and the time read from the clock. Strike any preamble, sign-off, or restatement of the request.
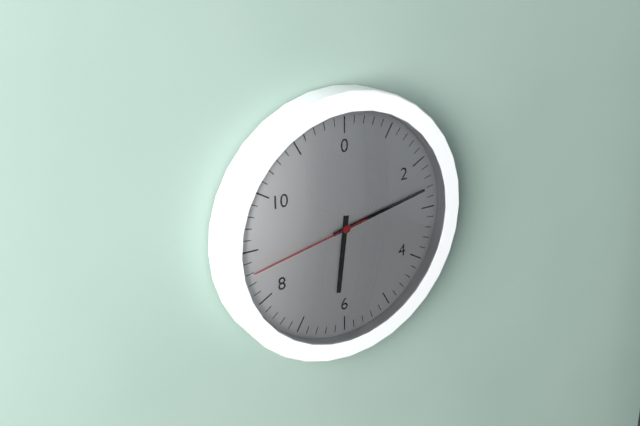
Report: 6:13:43
